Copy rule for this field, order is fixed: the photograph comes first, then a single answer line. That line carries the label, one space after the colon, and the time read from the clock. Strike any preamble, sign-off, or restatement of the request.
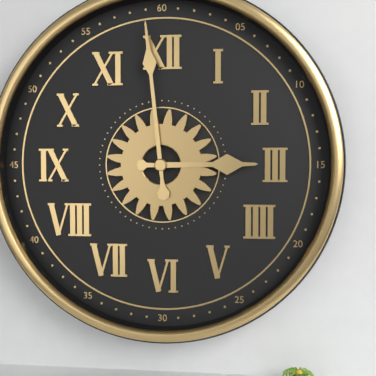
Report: 2:59
